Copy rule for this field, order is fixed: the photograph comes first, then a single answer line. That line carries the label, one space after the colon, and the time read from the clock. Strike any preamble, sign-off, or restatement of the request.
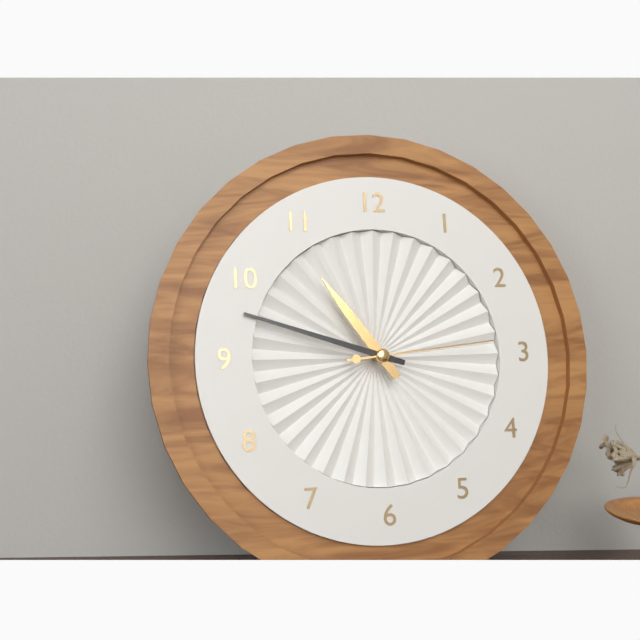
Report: 10:48:14
